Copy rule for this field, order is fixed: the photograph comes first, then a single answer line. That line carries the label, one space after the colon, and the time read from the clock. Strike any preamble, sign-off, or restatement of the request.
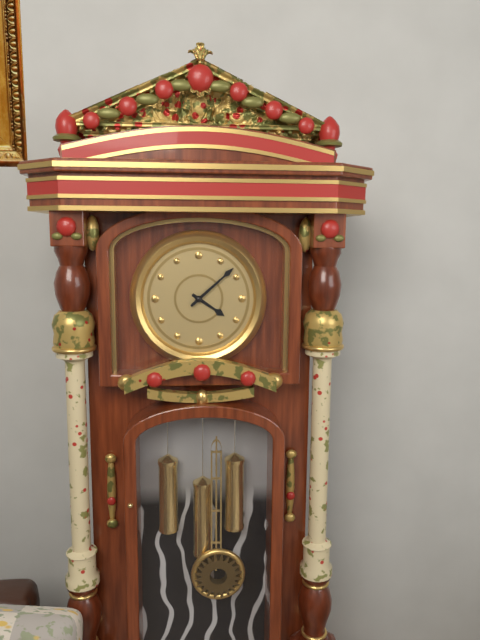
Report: 4:08
